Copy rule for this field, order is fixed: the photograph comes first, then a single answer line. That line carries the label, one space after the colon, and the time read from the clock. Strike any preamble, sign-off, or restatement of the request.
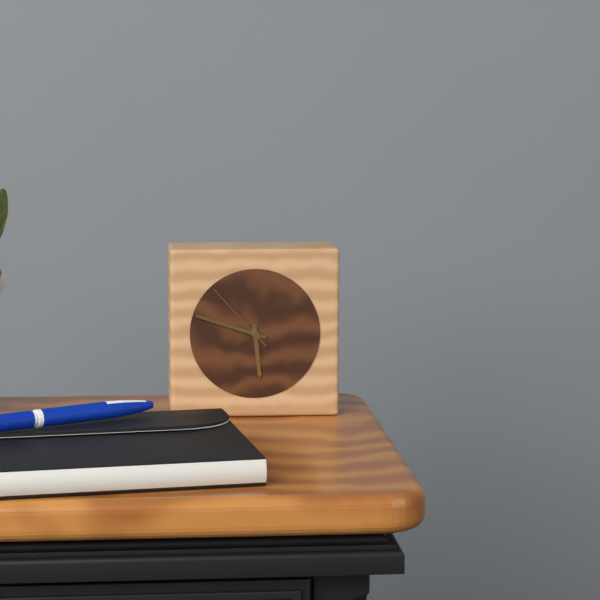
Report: 5:48:53
